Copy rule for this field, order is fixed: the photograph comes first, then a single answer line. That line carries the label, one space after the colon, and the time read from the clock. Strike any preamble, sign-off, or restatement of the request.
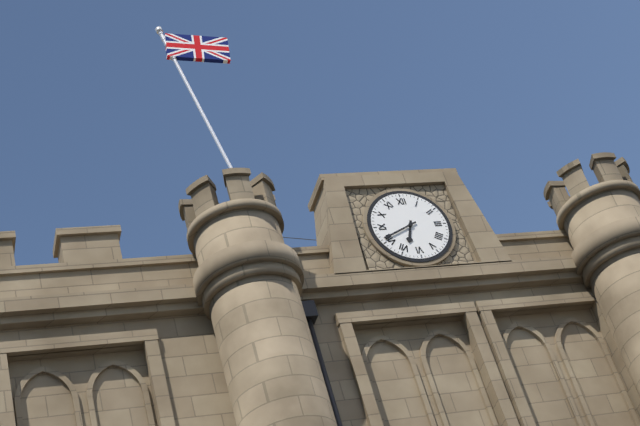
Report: 6:41
